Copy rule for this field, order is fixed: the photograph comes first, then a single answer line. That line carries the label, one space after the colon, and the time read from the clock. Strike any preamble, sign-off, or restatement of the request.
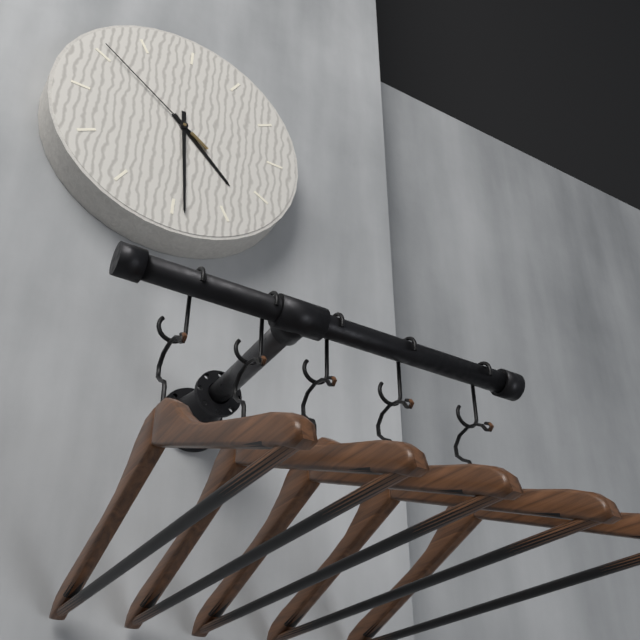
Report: 4:29:51
